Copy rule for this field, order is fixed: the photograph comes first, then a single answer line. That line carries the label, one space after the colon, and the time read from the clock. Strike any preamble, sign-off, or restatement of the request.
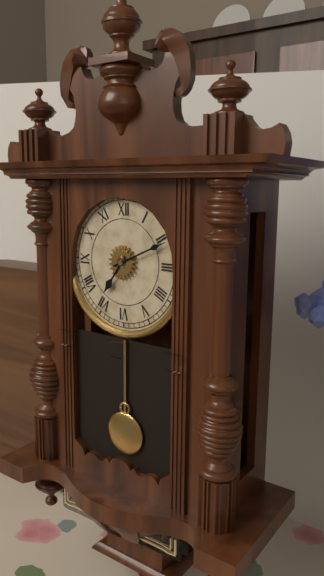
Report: 7:11
